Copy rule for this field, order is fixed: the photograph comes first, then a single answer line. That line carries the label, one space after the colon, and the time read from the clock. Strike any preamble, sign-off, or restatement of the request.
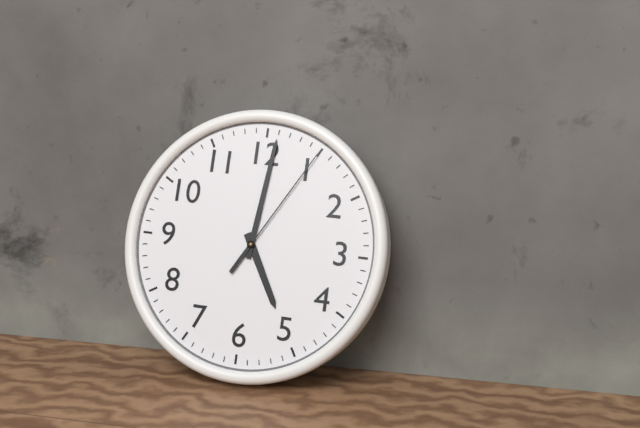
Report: 5:01:05
